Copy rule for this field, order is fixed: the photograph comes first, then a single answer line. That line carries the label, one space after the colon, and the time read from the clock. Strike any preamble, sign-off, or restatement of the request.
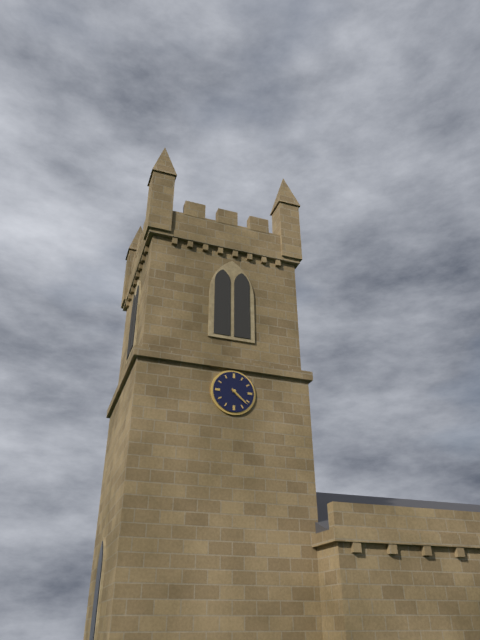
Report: 4:22
